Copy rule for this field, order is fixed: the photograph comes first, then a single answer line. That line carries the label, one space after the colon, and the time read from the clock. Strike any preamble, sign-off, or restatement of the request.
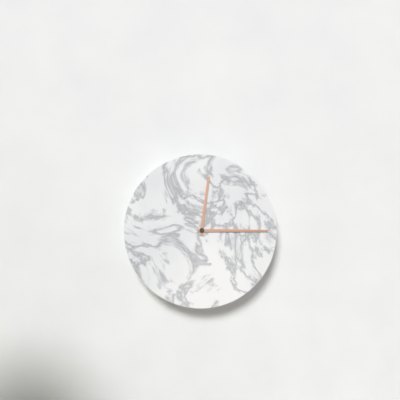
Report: 12:15
